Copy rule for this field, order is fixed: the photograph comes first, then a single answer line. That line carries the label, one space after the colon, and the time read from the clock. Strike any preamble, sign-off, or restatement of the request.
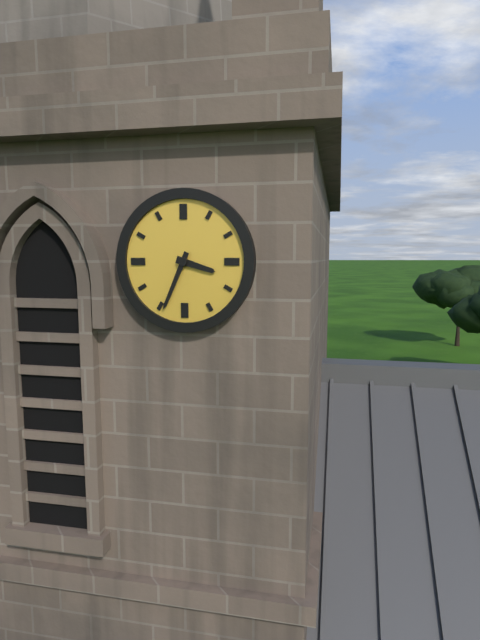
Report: 3:34
